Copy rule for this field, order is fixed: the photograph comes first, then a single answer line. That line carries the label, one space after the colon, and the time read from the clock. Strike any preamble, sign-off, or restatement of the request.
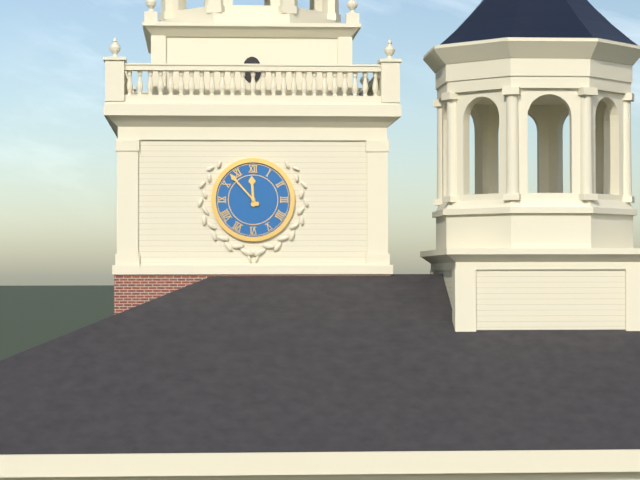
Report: 11:53
